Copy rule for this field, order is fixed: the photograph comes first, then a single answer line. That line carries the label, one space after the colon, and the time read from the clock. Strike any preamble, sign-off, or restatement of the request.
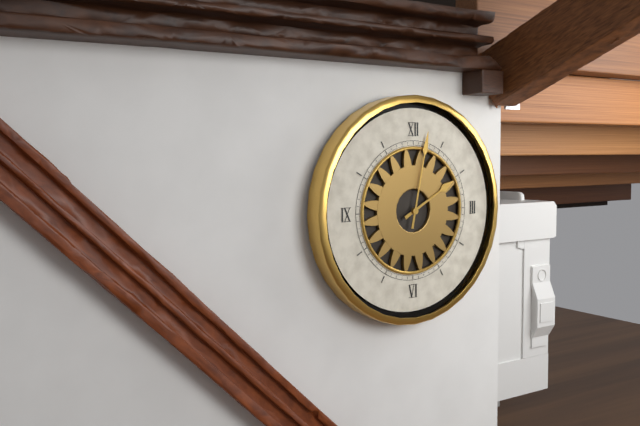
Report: 2:02
